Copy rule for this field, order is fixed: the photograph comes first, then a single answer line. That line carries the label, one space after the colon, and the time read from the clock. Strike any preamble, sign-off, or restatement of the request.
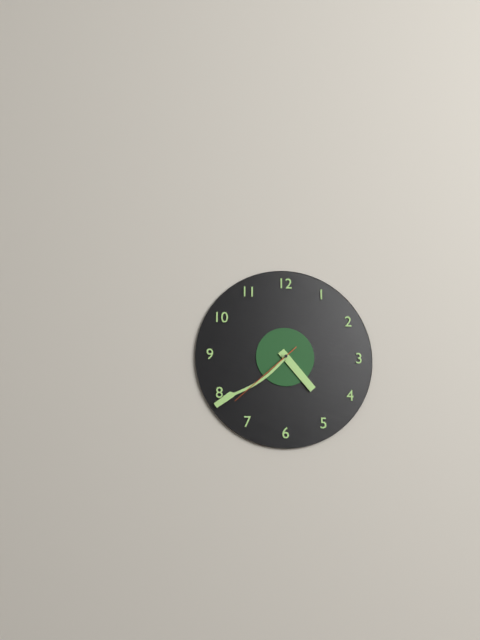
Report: 4:39:38
